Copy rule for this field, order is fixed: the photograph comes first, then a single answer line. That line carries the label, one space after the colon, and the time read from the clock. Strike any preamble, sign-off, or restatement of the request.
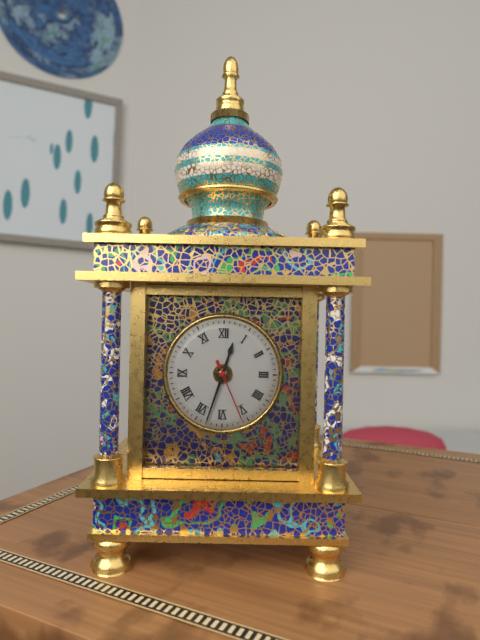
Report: 12:33:26
